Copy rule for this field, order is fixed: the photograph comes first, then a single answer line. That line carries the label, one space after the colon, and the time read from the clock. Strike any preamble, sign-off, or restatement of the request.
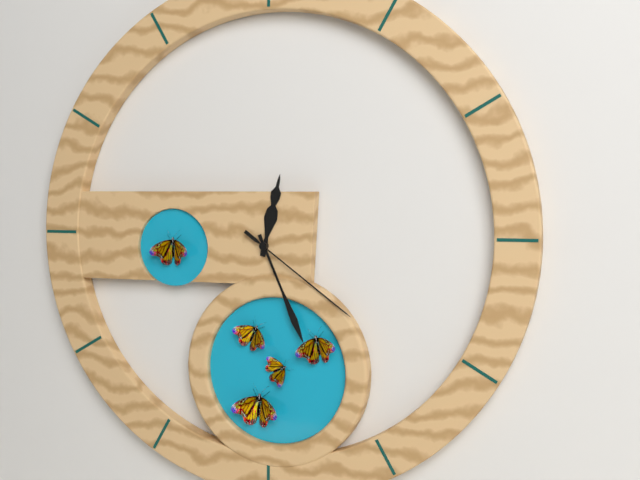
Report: 12:26:21
